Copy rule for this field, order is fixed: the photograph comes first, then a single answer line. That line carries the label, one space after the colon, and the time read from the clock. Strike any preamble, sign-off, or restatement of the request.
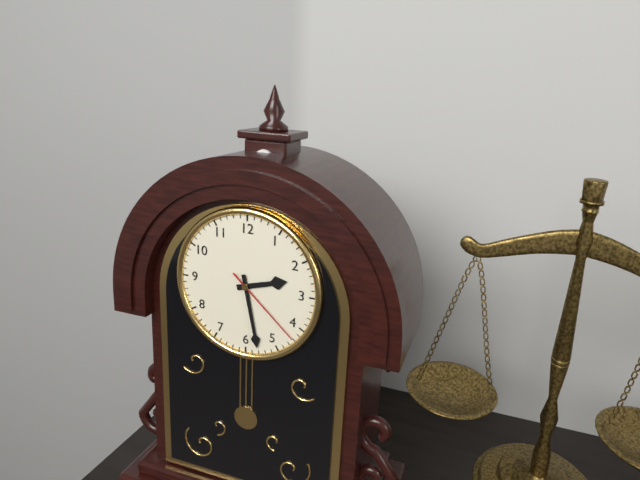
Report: 2:28:22
